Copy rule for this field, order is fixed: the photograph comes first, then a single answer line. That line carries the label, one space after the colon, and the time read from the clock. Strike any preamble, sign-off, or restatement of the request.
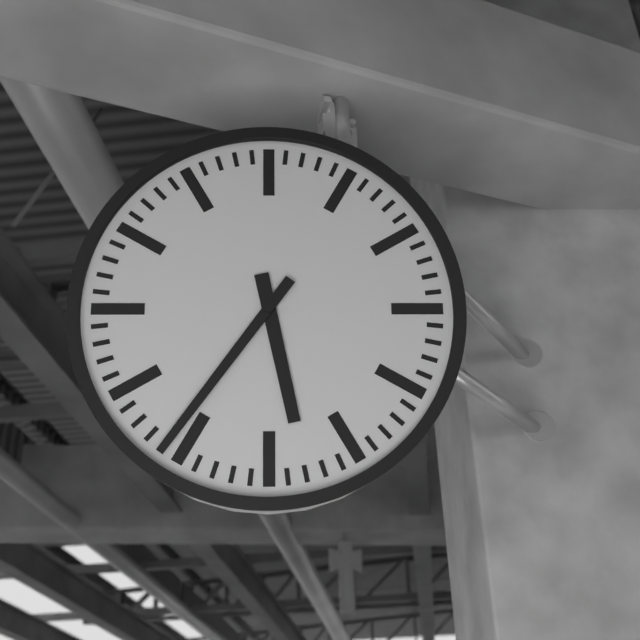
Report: 5:36
